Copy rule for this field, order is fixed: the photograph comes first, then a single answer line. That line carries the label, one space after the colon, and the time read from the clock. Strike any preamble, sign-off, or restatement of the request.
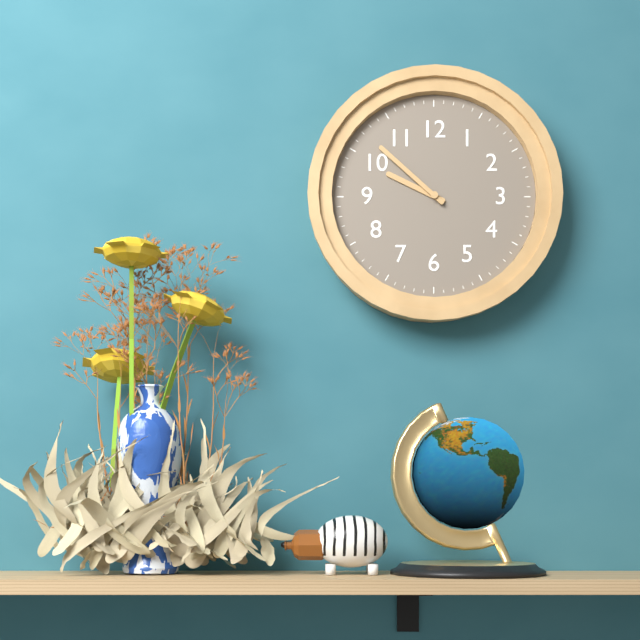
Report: 9:52
